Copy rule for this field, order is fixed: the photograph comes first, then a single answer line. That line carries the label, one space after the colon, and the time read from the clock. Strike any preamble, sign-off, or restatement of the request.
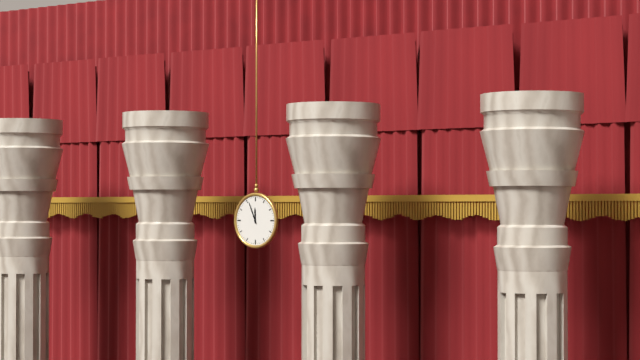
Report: 11:56
